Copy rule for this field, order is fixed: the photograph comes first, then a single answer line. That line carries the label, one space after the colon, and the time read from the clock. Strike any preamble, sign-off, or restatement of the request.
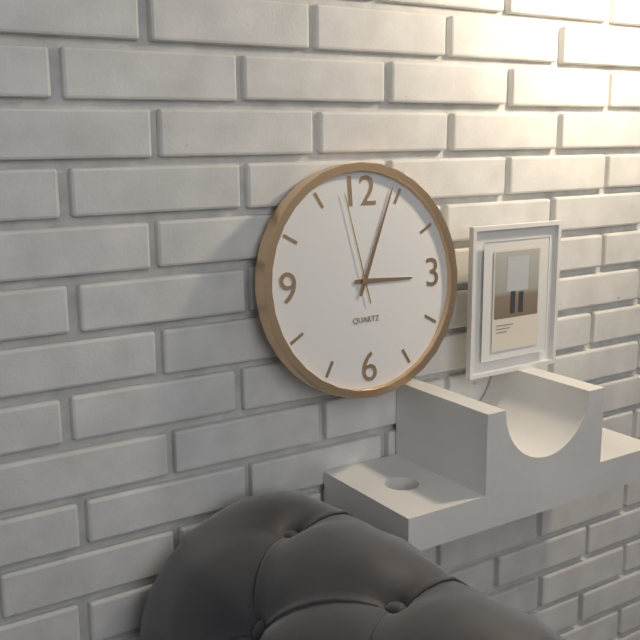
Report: 3:04:58
